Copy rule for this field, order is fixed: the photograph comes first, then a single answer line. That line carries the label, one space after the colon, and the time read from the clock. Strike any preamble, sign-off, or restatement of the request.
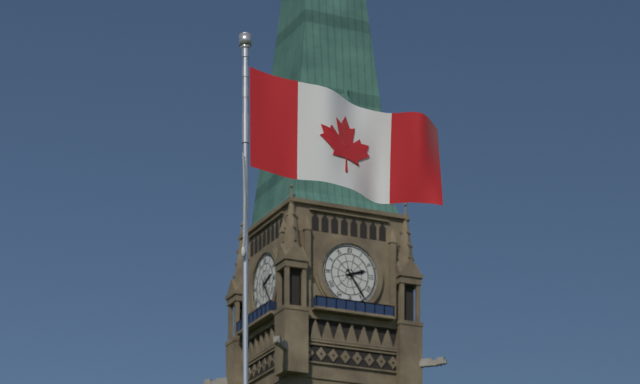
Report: 2:24
